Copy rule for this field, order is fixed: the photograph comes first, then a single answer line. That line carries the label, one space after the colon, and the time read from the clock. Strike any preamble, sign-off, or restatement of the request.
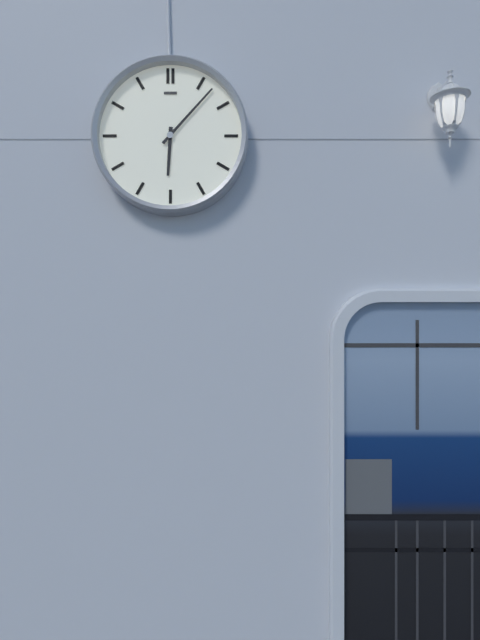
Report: 6:07
